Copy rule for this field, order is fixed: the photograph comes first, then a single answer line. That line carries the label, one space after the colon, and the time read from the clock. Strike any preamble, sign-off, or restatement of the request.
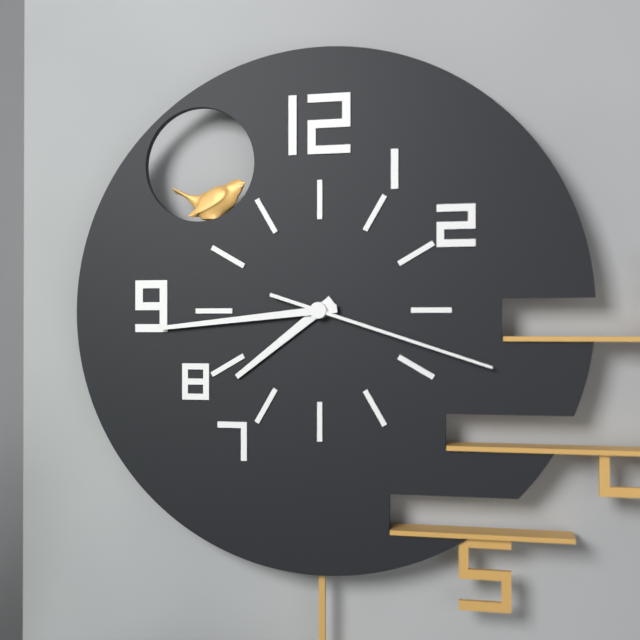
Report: 7:44:18
